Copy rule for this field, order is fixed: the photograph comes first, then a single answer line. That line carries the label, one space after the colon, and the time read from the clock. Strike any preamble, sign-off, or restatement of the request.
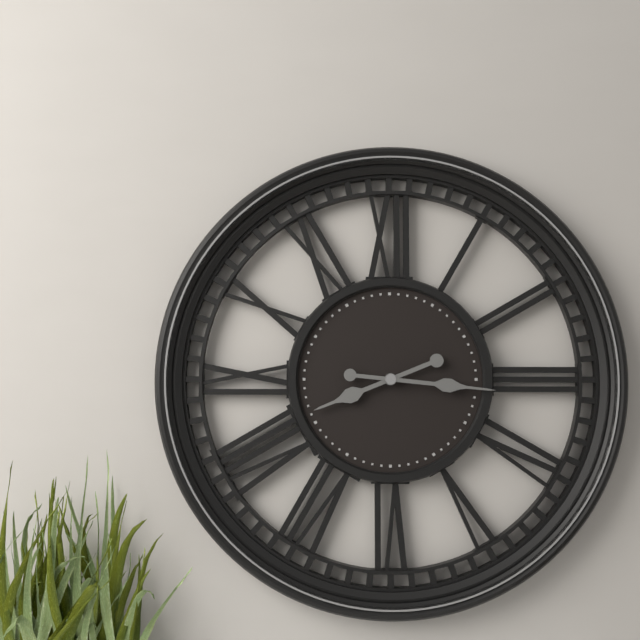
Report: 8:16
